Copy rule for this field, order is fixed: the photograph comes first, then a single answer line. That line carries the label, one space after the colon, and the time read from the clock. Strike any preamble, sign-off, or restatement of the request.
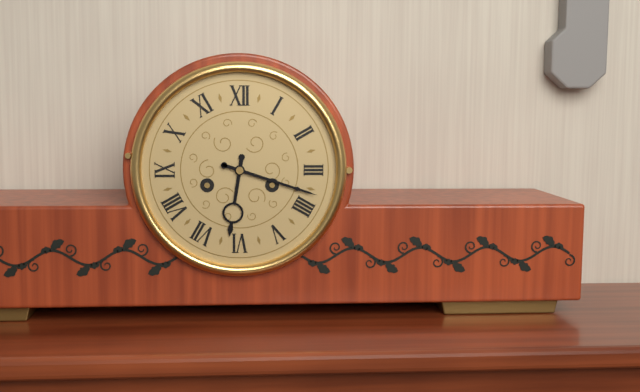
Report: 6:18
